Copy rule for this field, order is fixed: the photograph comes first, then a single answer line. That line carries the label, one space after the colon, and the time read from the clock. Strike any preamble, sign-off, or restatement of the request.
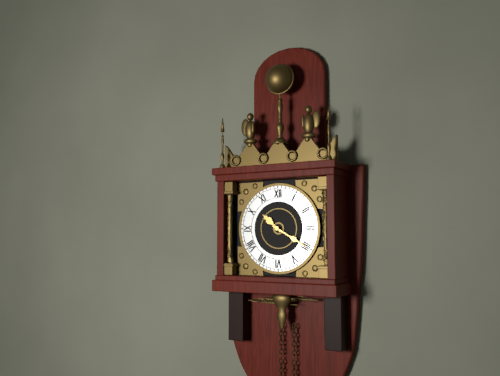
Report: 10:20
